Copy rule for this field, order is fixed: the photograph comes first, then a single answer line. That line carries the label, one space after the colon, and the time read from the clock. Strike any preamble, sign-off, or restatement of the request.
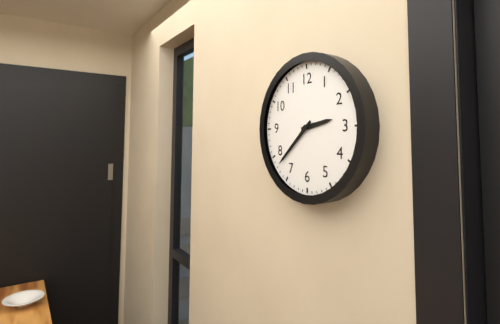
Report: 2:38
